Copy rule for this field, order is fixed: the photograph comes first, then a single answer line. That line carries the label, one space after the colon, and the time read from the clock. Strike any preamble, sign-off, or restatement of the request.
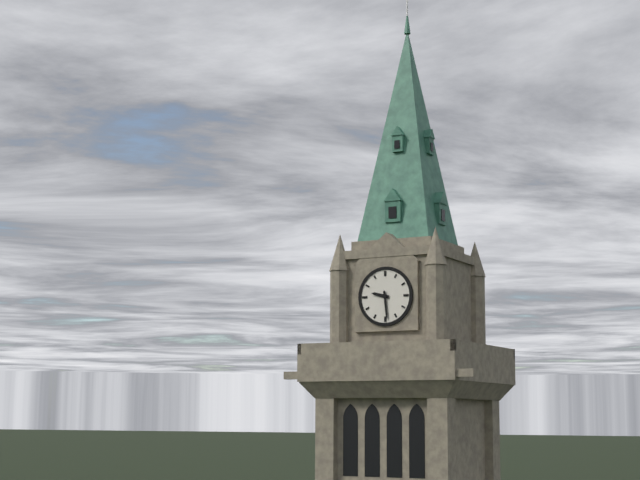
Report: 9:29
